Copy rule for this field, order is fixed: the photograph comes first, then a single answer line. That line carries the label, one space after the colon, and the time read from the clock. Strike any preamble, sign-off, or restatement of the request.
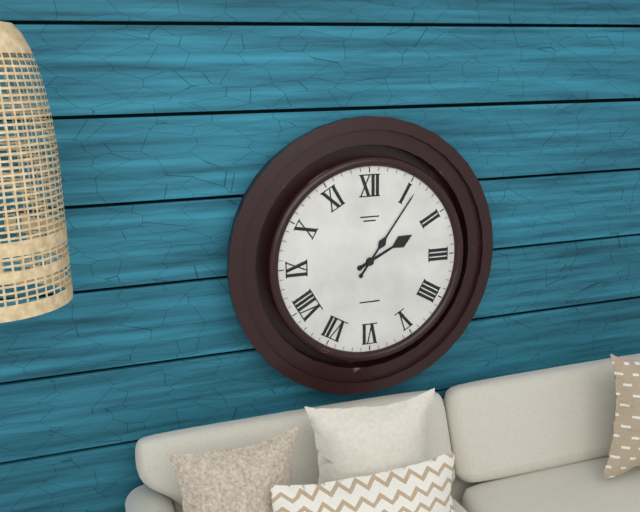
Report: 2:06
